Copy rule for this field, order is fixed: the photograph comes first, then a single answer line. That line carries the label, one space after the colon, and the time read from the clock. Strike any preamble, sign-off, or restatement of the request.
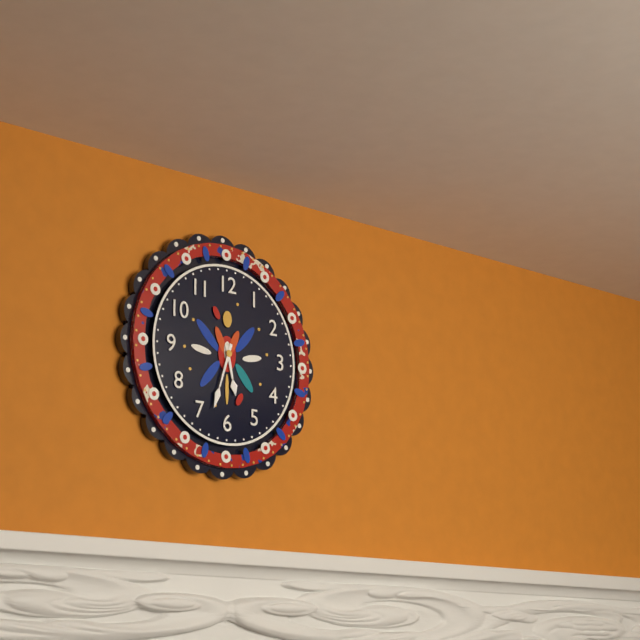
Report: 5:33
